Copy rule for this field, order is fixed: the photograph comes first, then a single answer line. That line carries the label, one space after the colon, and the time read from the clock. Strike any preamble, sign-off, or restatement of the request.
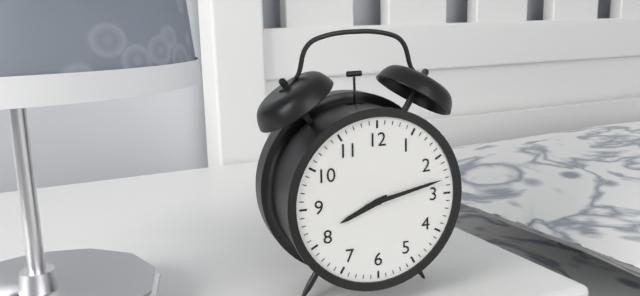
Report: 8:13
